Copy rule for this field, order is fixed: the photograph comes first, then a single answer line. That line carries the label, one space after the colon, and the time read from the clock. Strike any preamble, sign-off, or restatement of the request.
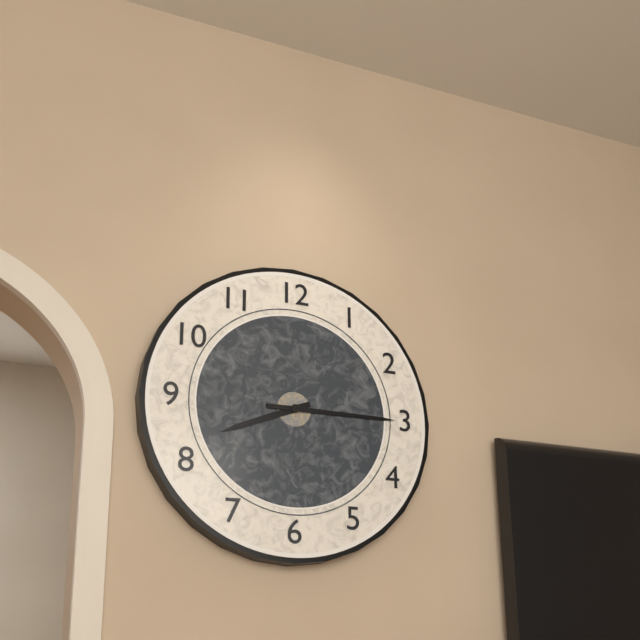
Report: 8:15
